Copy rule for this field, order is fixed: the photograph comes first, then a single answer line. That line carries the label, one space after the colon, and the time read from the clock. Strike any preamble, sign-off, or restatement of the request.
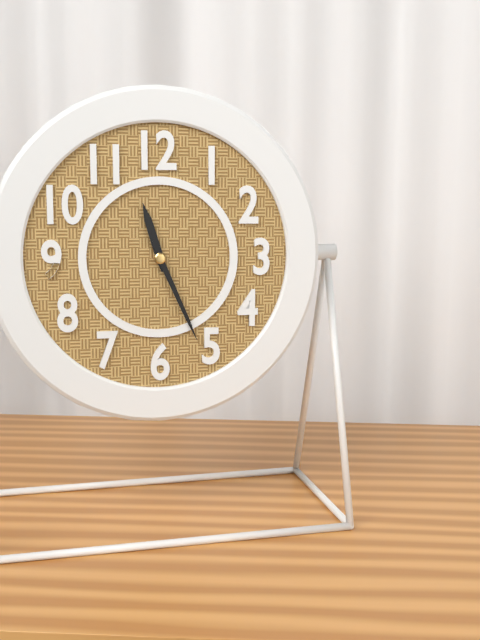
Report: 11:26
